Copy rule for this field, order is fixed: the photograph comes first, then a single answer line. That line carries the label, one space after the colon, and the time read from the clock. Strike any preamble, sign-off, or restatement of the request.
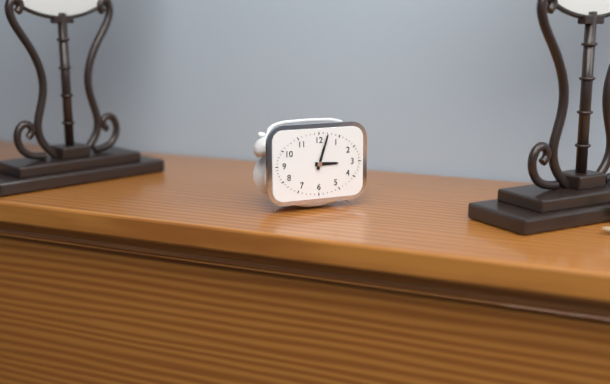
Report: 3:03
